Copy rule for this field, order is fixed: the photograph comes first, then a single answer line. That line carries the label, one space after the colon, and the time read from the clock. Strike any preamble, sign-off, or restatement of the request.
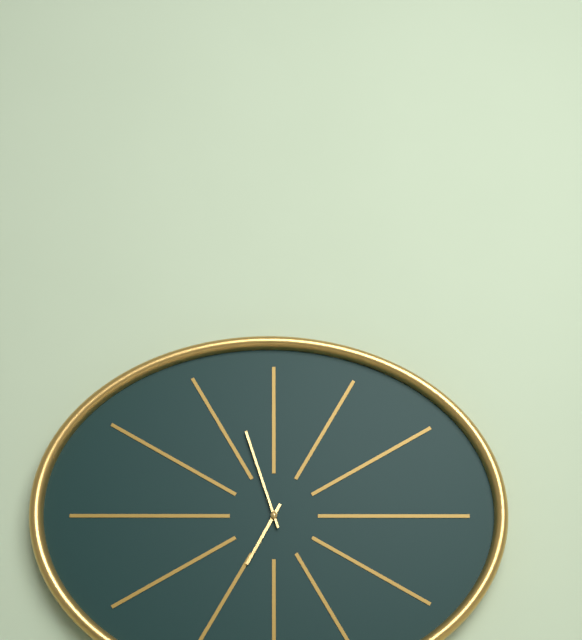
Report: 6:57
